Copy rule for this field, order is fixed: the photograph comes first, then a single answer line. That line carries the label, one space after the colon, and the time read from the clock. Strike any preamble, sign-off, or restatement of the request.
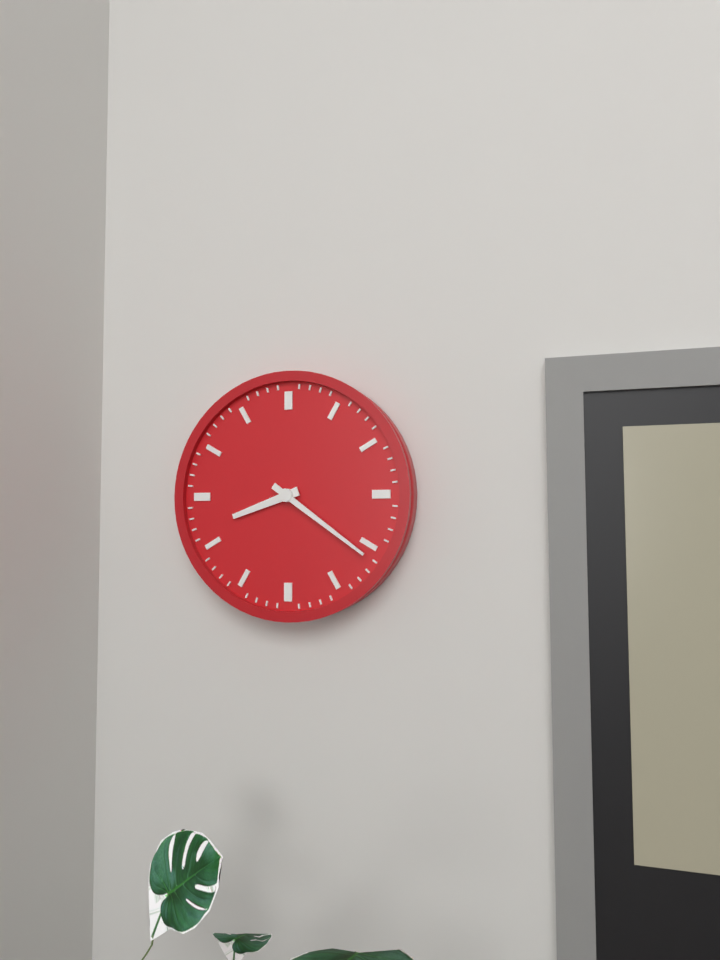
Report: 8:21
